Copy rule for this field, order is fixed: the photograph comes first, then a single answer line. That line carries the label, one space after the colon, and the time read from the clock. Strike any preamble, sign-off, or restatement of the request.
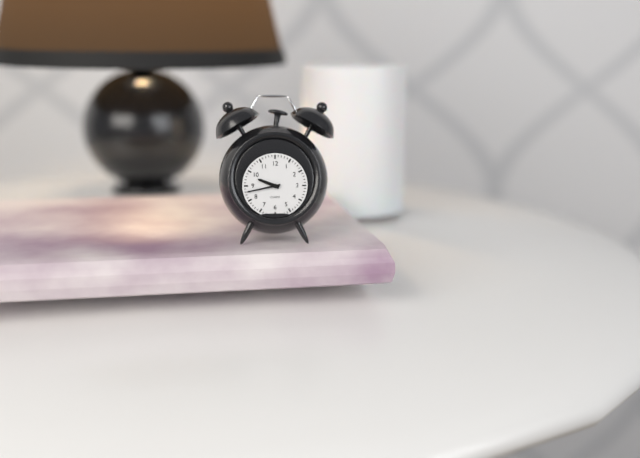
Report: 9:43
